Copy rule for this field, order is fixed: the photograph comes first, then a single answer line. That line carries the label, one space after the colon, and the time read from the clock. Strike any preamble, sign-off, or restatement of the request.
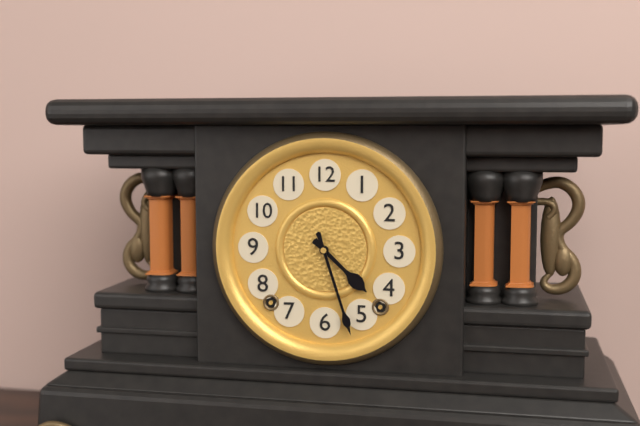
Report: 4:27
